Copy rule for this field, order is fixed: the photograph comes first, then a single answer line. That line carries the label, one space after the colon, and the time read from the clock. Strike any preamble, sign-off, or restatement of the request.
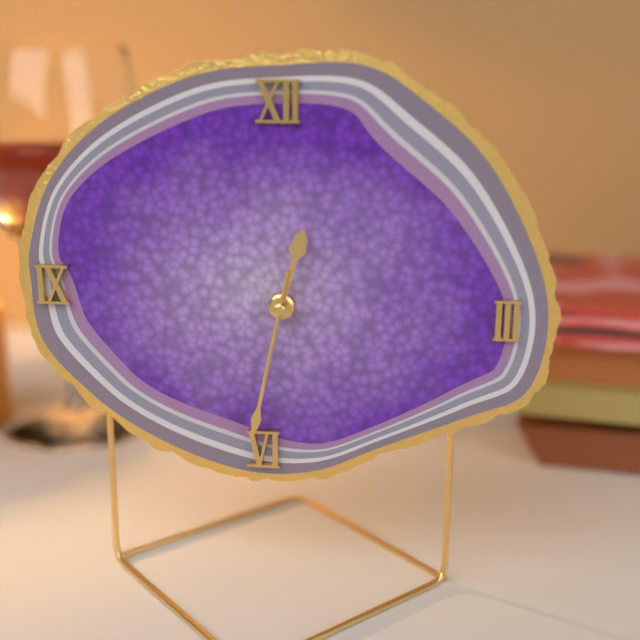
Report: 12:32:32
